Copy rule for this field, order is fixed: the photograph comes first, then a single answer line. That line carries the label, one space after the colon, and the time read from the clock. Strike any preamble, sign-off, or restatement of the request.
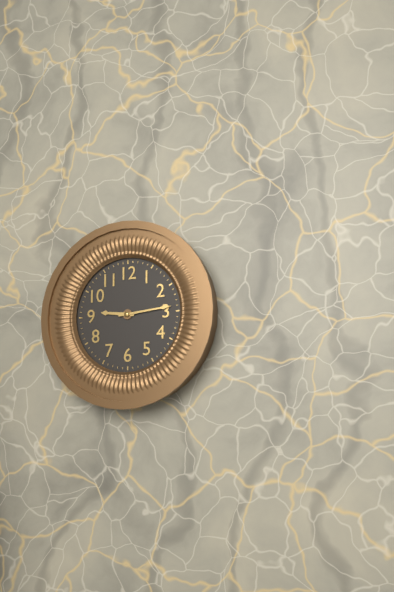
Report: 9:14
